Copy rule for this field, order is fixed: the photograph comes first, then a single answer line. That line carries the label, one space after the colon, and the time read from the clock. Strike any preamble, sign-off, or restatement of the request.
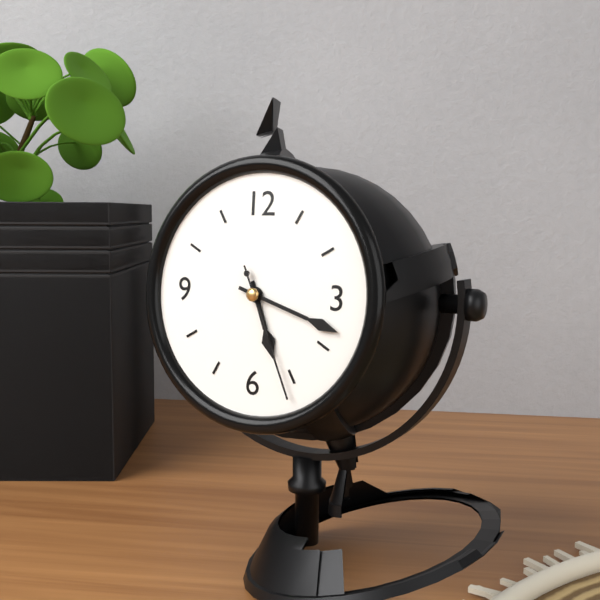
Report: 5:18:26
